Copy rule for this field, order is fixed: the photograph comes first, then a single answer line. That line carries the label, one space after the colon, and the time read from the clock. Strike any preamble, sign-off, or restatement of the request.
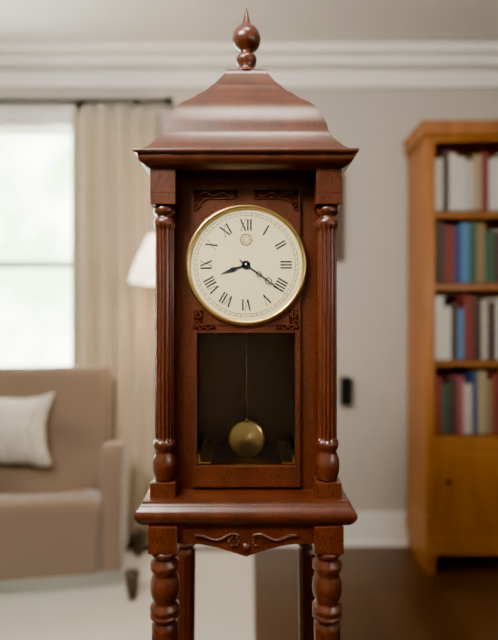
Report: 8:21
